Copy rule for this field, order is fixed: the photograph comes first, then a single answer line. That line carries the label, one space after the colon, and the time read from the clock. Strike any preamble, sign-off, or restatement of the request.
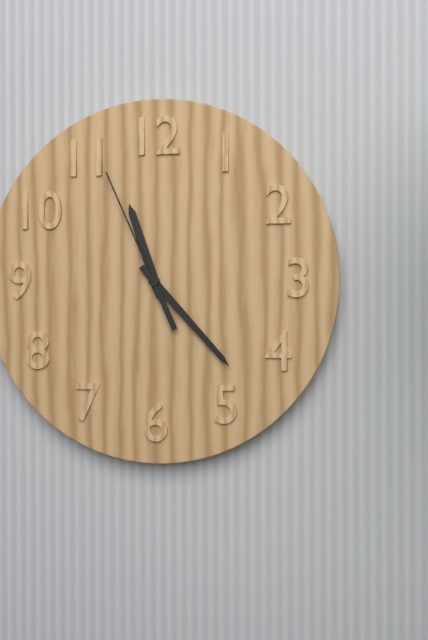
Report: 11:23:56
